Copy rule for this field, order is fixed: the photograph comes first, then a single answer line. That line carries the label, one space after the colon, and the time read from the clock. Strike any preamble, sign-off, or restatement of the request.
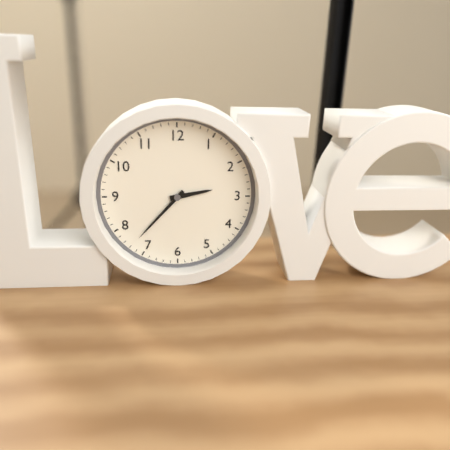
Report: 2:37
